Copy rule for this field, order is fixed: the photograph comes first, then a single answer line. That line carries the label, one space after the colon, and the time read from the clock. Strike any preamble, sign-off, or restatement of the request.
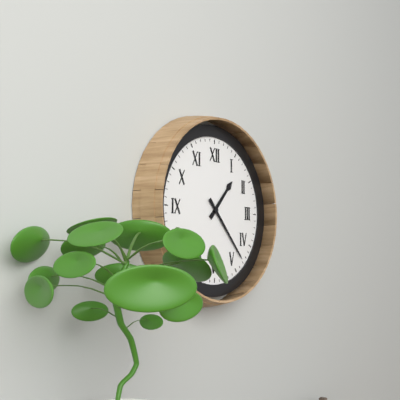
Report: 1:23
